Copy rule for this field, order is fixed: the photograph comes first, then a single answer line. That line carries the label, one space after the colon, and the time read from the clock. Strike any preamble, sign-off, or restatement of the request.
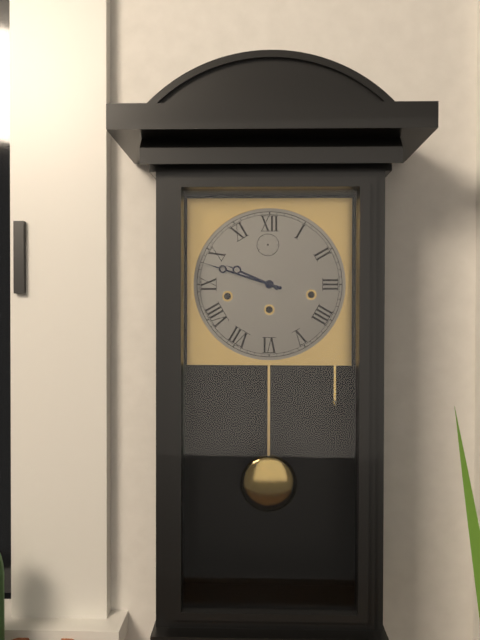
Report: 9:48
